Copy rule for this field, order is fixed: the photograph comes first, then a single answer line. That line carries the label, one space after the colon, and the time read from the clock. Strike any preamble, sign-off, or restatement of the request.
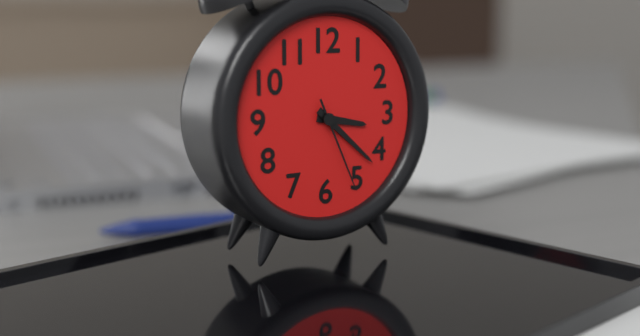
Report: 3:22:26
